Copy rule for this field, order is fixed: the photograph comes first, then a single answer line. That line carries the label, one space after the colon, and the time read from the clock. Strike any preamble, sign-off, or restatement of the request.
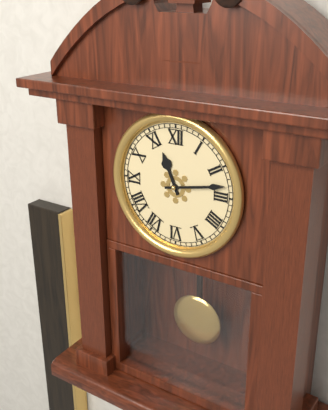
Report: 11:13
